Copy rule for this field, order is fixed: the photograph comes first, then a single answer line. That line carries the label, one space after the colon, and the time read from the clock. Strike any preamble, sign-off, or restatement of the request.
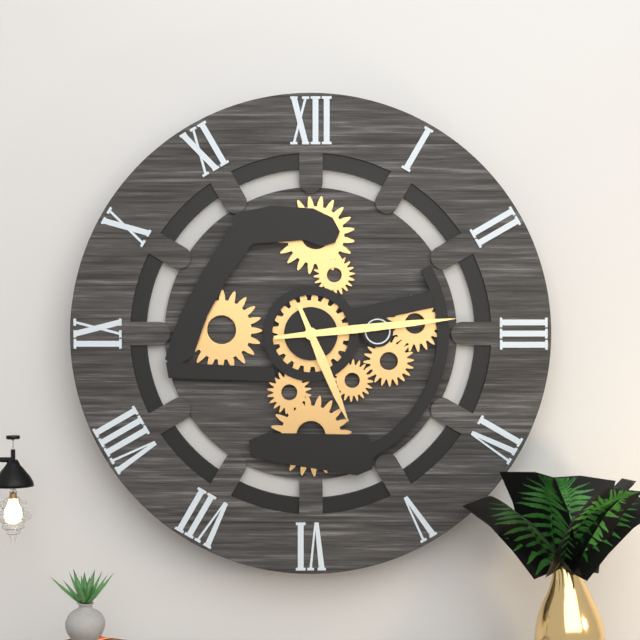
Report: 5:14
